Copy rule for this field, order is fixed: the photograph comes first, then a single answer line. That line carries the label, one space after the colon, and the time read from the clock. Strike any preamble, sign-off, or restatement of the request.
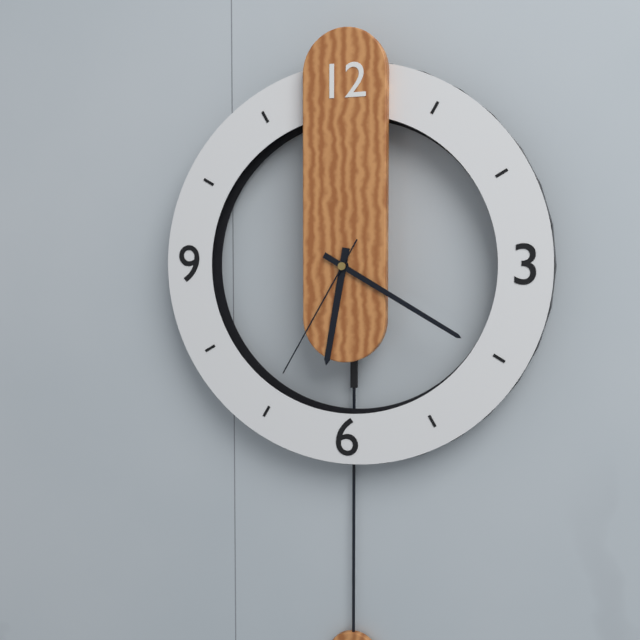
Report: 6:20:35
